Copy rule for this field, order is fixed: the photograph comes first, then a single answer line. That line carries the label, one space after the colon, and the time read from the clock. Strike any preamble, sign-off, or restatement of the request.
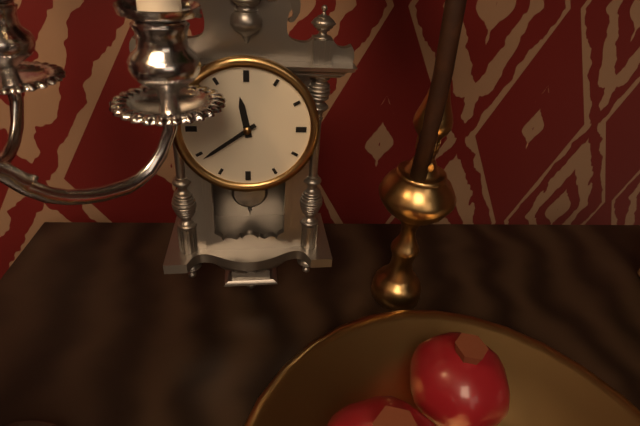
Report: 11:39
